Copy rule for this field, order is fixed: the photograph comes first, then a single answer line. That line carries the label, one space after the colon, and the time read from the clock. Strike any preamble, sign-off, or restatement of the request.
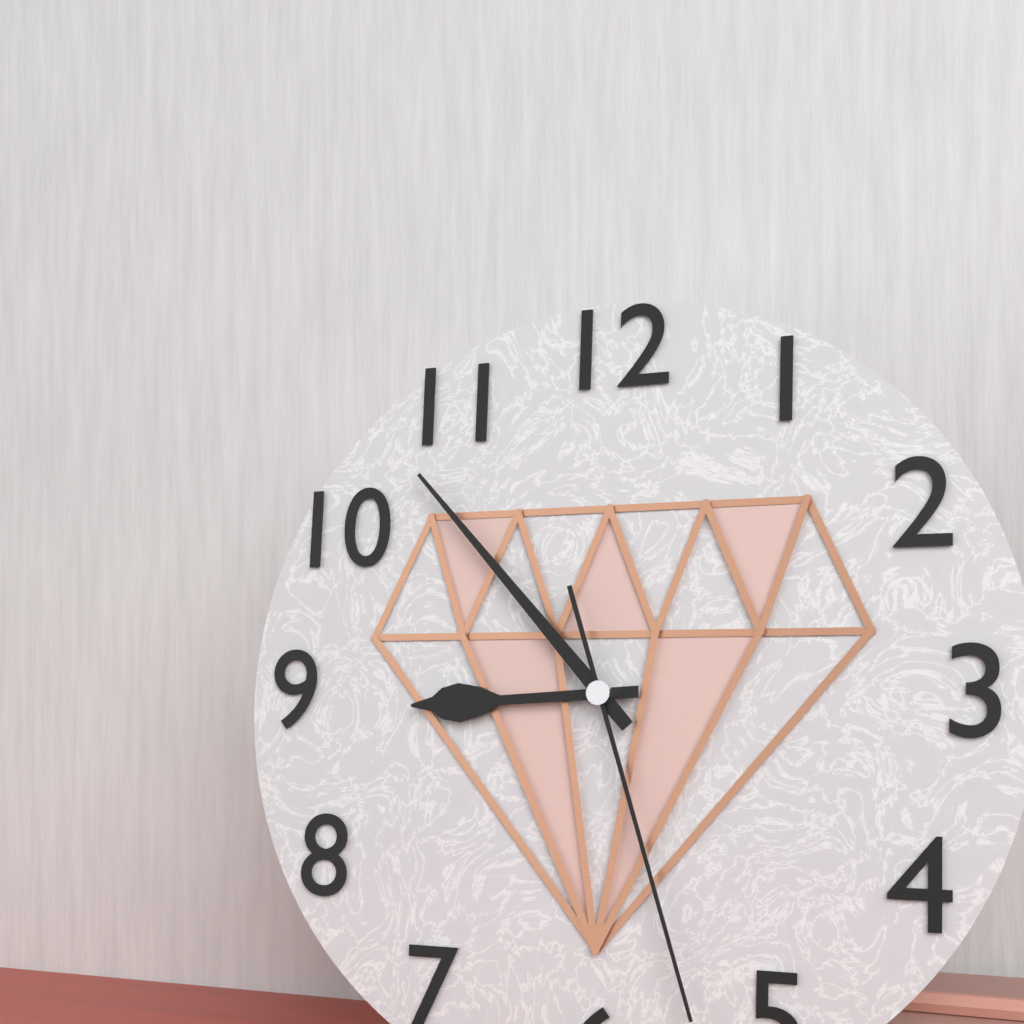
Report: 8:53:27
